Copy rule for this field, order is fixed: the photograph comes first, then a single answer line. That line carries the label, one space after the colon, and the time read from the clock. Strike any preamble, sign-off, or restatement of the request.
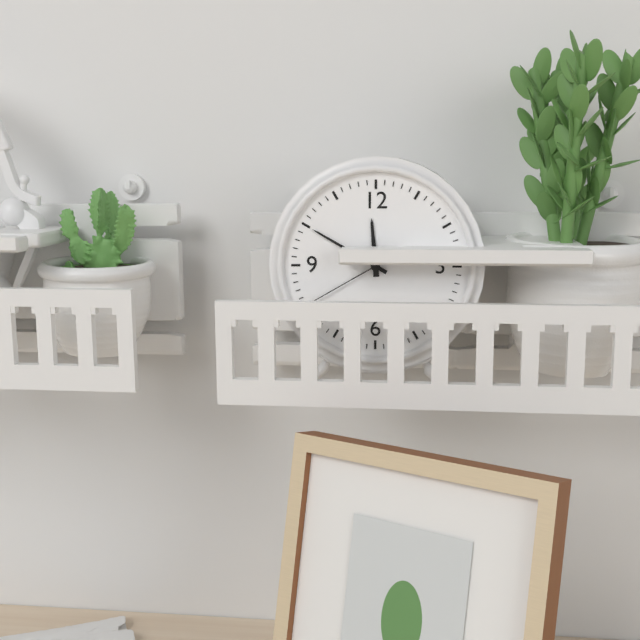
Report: 11:50:40
